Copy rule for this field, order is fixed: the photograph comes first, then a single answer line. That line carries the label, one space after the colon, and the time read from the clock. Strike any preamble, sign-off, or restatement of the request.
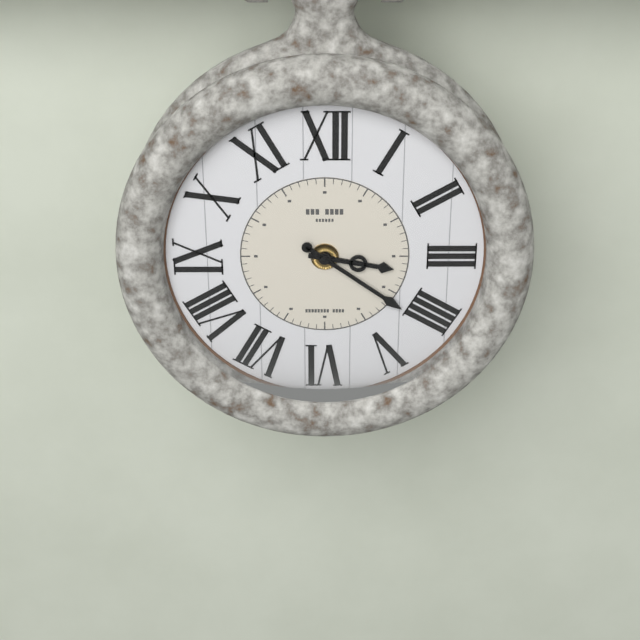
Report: 3:21
